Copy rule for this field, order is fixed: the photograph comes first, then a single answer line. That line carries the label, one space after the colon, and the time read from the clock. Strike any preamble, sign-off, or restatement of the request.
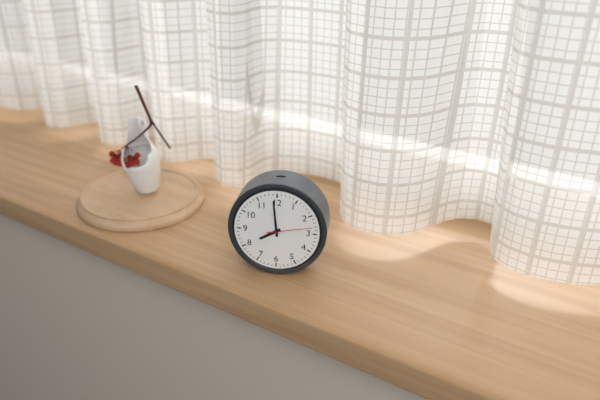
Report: 7:59
